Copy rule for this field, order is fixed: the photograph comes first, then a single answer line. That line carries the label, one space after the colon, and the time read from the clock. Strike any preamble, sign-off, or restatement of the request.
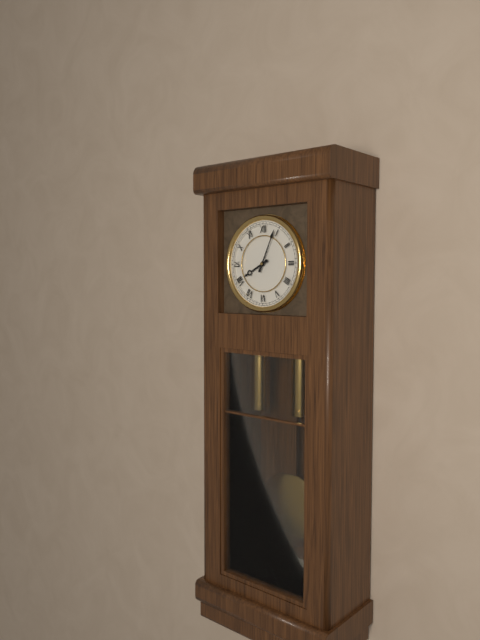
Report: 8:04
